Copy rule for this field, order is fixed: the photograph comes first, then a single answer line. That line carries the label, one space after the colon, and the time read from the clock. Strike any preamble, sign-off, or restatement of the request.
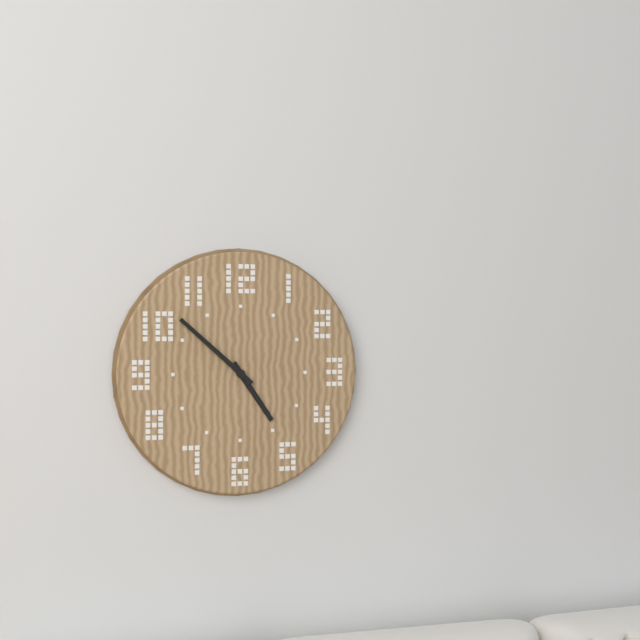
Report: 4:52
